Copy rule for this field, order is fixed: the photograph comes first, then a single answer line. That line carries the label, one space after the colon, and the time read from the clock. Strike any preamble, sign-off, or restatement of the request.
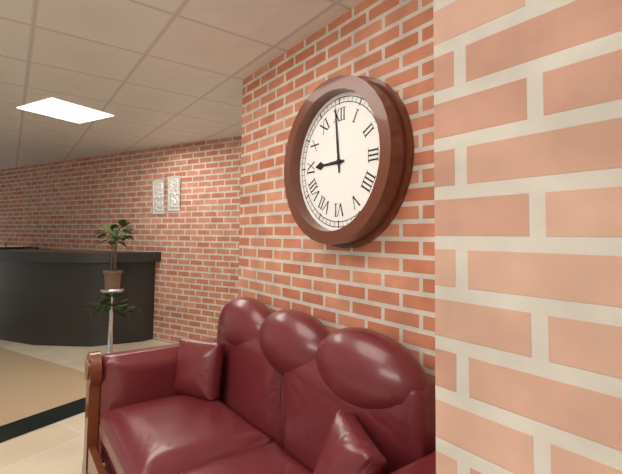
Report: 8:59
